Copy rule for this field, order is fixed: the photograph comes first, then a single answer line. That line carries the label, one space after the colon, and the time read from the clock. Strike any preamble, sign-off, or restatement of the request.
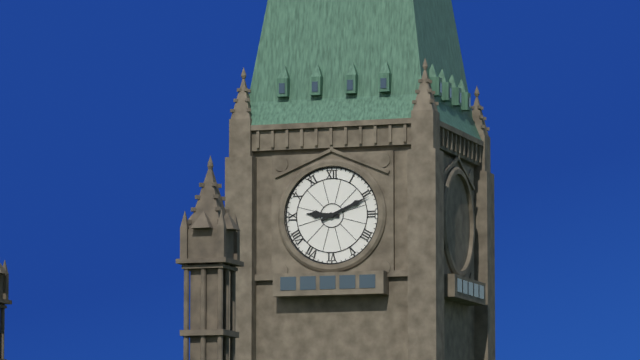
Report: 9:11
